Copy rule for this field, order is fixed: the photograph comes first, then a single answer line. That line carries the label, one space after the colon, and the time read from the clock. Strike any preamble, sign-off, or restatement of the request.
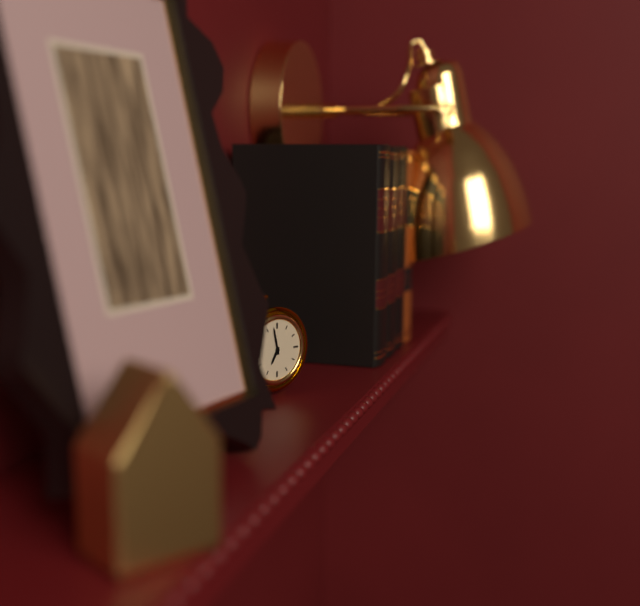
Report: 6:58
